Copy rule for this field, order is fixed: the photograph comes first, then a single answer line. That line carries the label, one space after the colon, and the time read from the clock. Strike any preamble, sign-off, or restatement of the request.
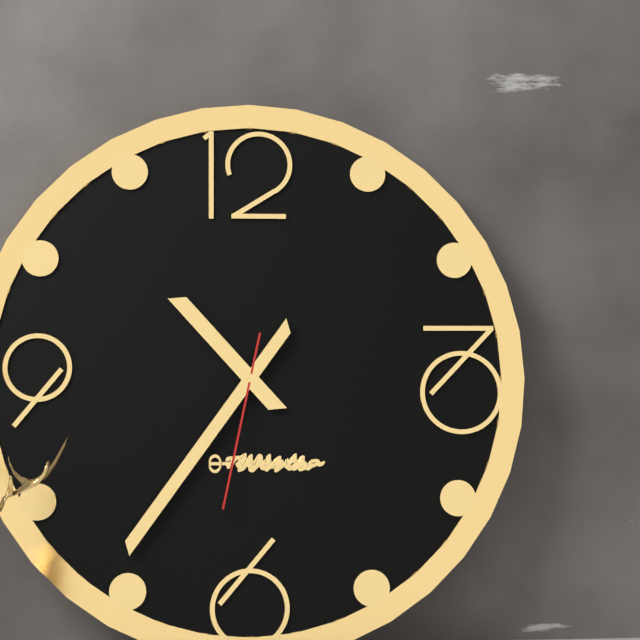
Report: 10:36:32
